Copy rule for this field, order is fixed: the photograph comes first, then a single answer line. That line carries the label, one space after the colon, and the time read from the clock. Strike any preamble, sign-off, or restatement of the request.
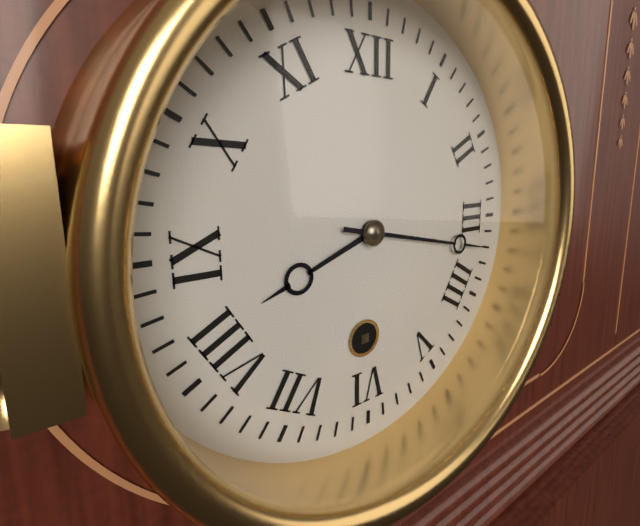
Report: 8:17
